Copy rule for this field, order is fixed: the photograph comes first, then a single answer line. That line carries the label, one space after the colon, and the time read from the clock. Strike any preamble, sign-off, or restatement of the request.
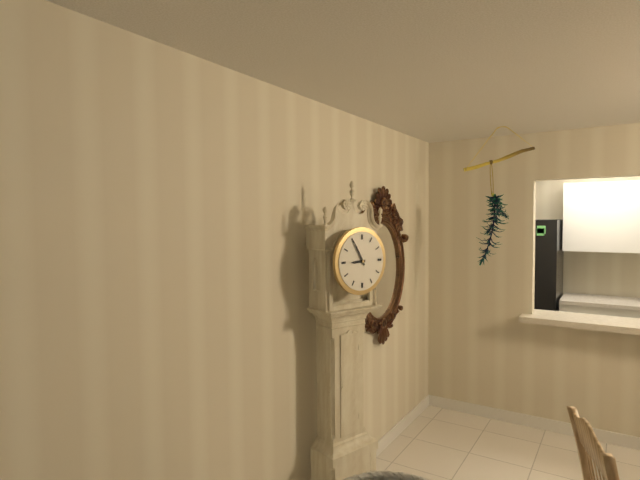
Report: 8:55
